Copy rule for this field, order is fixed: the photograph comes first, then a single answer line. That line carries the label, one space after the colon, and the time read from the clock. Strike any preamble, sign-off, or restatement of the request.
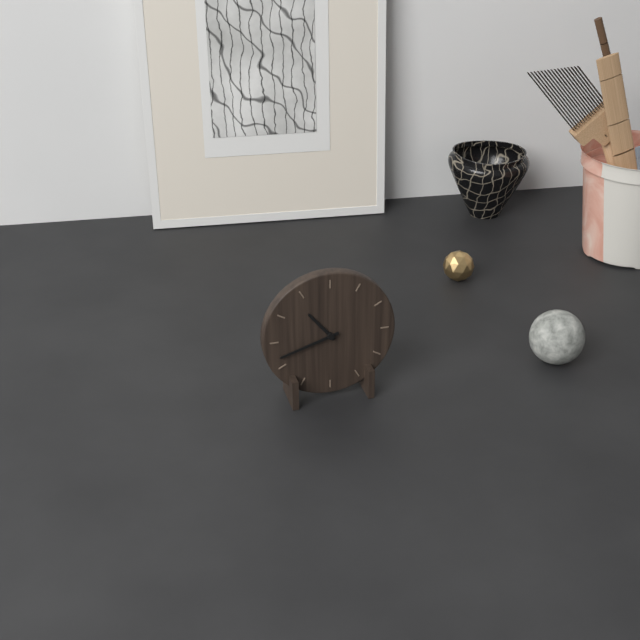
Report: 10:42
